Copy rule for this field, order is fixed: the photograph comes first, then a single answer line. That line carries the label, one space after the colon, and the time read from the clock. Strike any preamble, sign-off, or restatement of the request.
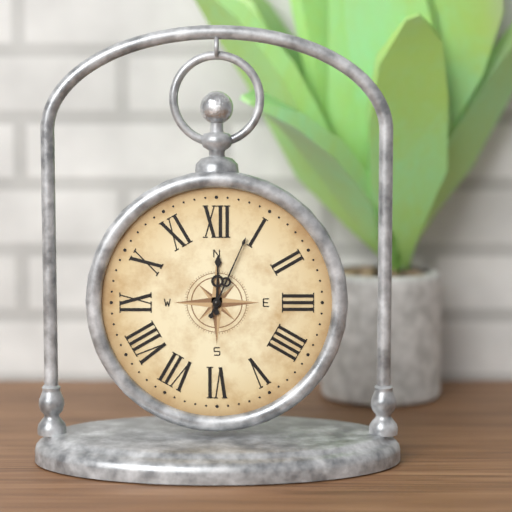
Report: 12:04
